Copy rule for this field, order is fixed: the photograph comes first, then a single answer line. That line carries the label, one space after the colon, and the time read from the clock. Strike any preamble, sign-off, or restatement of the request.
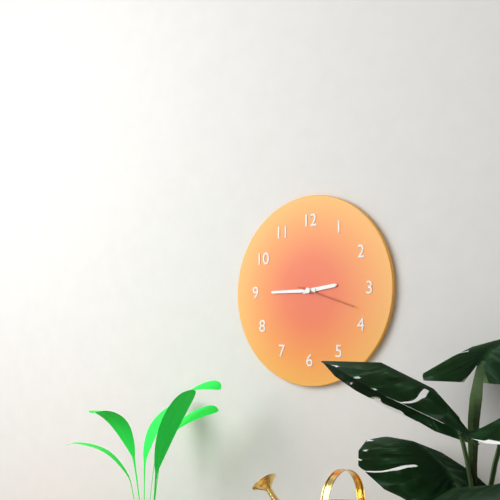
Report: 2:45:18
